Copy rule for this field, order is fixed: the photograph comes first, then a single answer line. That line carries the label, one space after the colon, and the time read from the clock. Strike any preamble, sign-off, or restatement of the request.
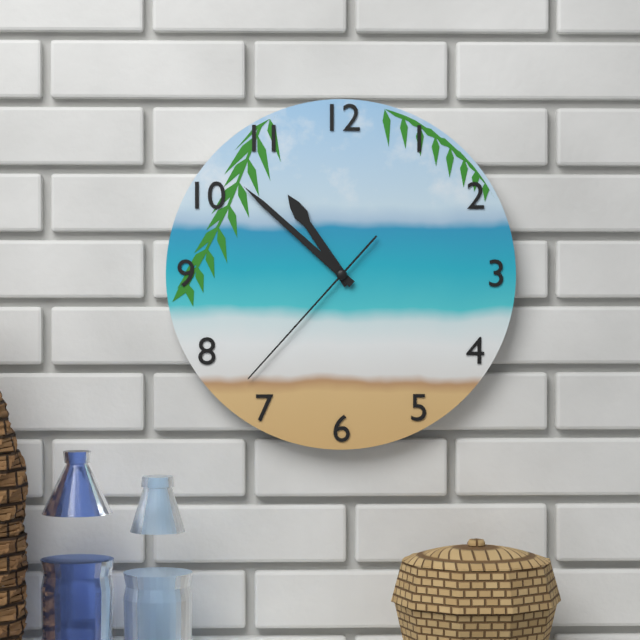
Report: 10:52:37
